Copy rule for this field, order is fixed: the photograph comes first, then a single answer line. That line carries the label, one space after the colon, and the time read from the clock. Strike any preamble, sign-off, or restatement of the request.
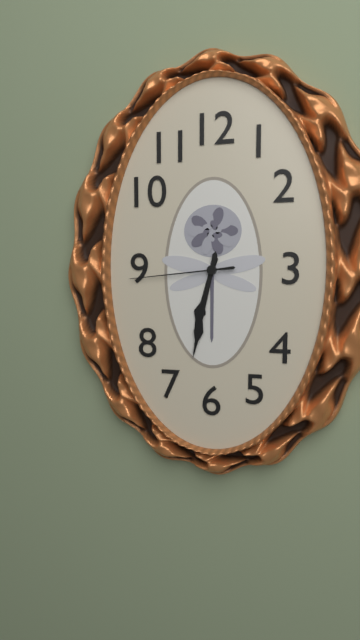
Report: 6:32:44
